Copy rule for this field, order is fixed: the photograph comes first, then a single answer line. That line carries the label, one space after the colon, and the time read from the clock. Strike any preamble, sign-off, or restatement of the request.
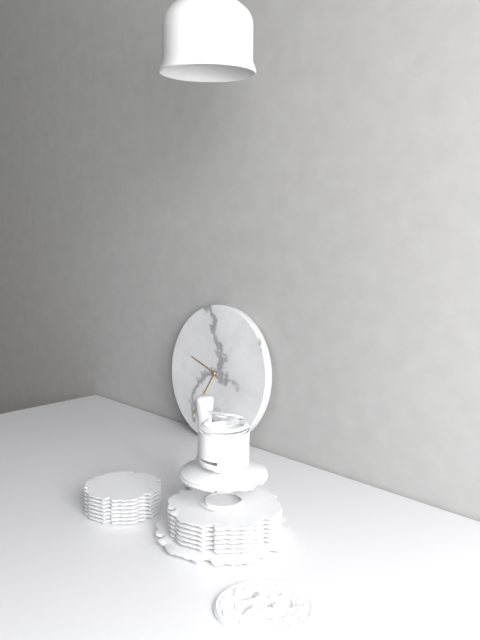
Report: 9:35
